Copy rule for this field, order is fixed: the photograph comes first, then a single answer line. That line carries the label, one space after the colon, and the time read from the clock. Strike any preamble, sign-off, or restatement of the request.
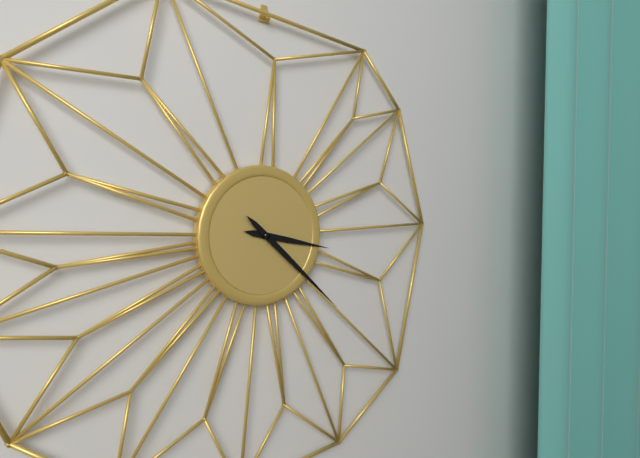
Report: 3:22
